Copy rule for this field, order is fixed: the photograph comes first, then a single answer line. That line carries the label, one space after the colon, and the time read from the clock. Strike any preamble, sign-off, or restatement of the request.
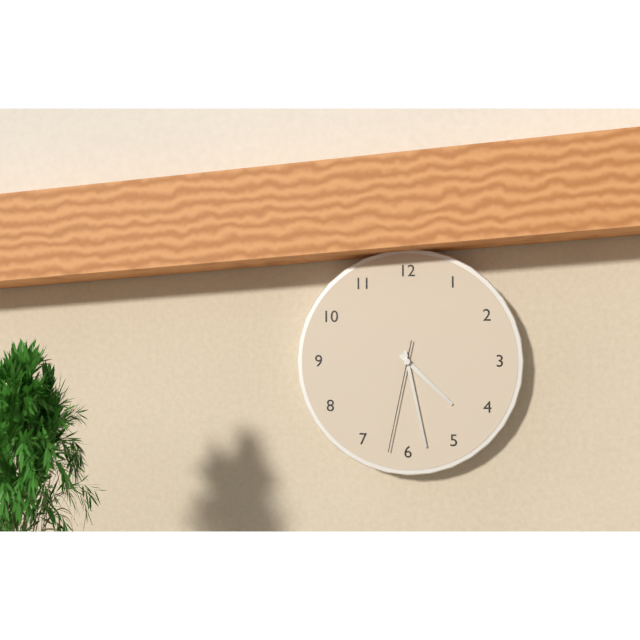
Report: 4:28:32
